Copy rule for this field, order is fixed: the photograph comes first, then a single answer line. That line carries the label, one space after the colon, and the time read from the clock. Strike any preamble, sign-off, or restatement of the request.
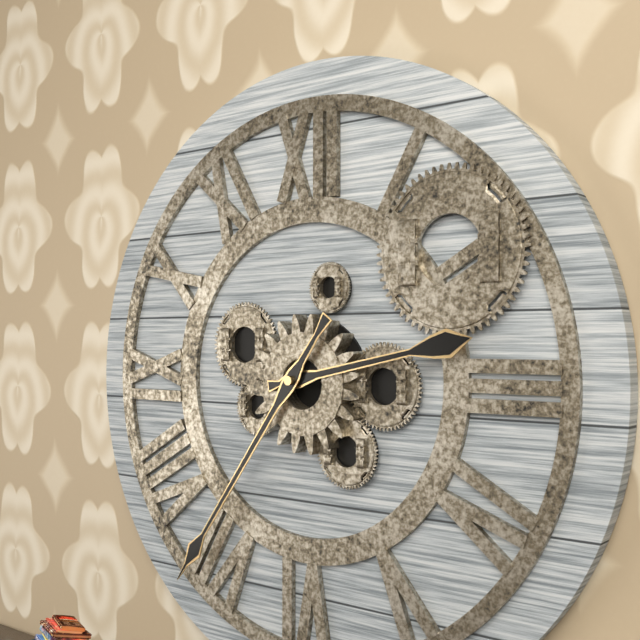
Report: 2:36
